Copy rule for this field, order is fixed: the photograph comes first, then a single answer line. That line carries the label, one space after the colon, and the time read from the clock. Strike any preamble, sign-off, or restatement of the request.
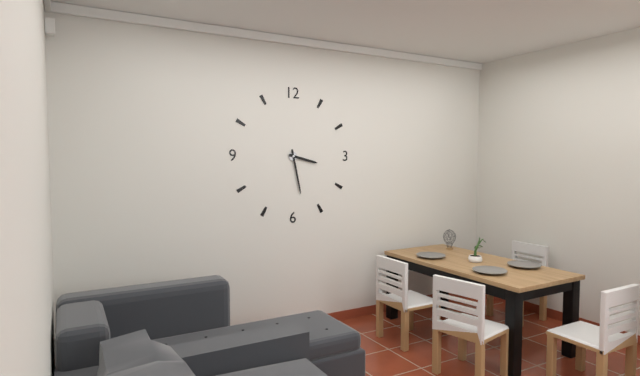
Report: 3:28
